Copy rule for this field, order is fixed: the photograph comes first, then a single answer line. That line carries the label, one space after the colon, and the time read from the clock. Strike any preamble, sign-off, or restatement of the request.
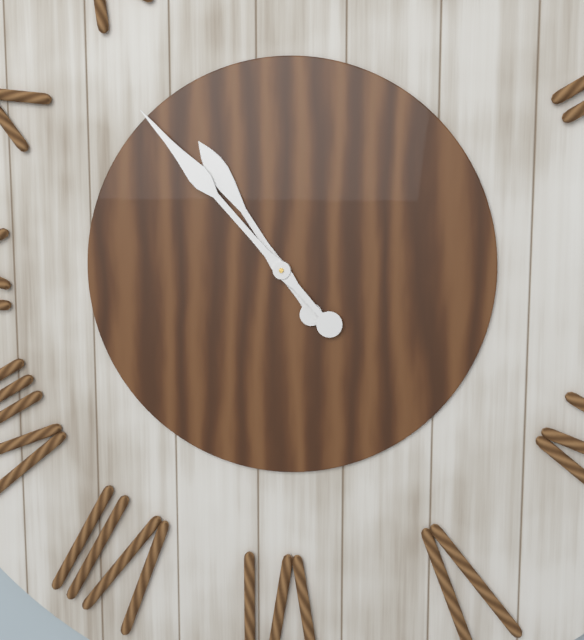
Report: 10:53
